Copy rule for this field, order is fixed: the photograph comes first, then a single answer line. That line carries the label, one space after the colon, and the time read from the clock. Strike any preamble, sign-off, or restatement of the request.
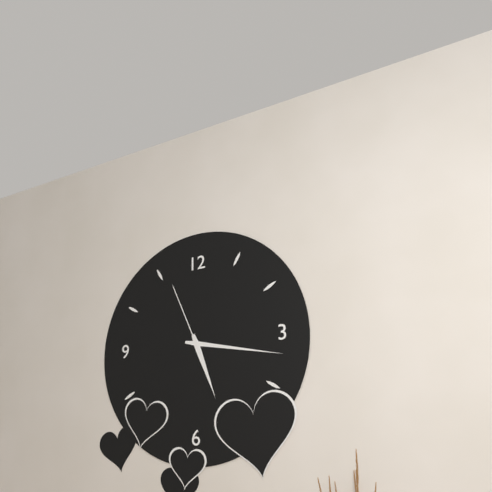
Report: 5:17:56
